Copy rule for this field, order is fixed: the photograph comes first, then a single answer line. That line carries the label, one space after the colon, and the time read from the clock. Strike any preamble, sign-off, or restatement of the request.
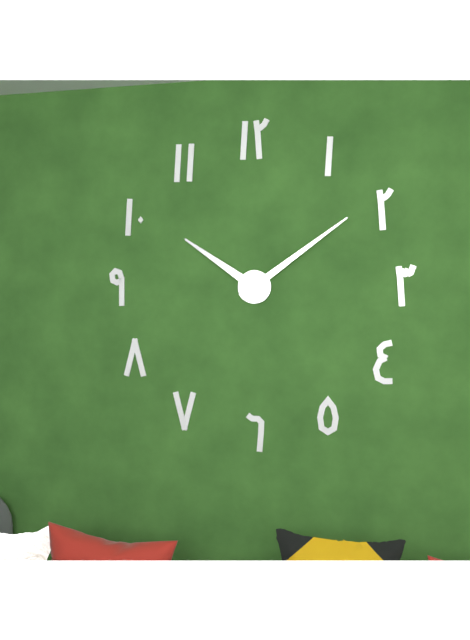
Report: 10:09
